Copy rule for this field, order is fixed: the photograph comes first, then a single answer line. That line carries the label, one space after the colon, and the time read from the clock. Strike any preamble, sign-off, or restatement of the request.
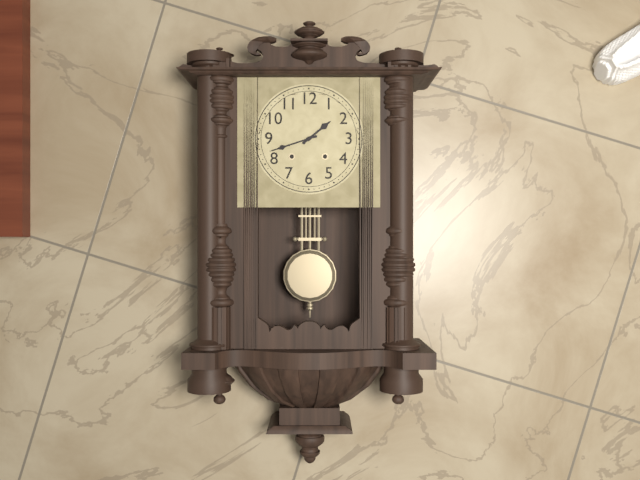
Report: 1:42
